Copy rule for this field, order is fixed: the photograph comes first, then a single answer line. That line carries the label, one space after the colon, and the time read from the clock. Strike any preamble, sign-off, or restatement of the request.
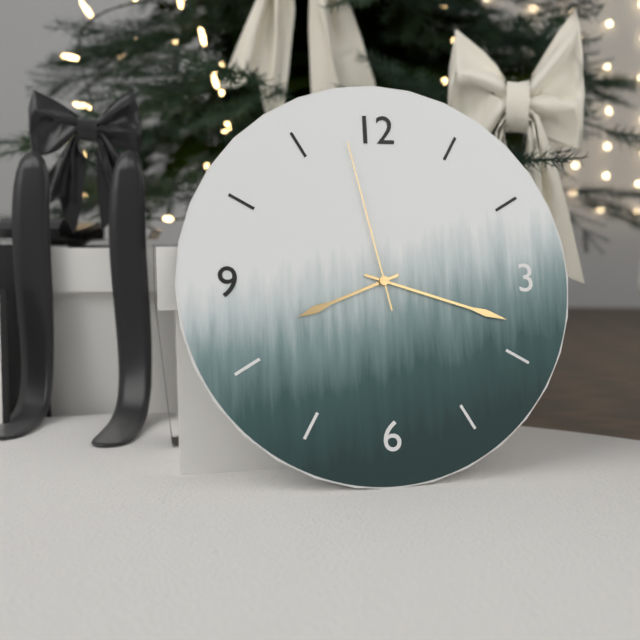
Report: 8:18:58
